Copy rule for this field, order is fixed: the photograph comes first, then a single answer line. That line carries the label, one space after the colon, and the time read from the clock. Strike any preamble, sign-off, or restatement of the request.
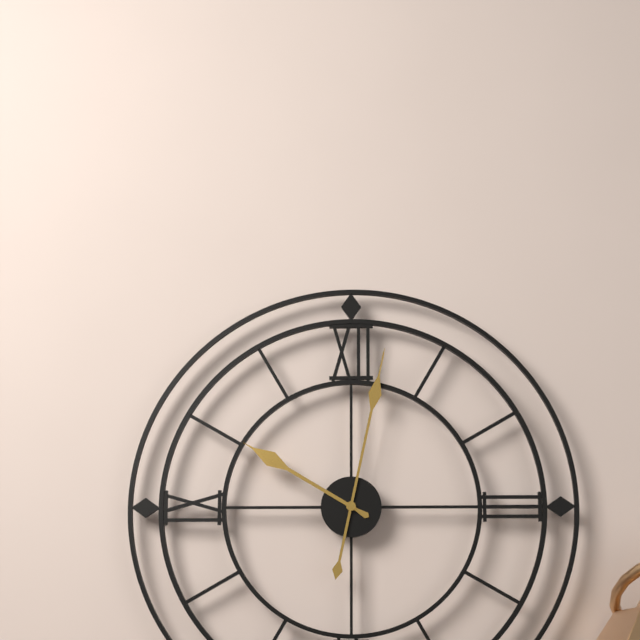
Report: 10:02
